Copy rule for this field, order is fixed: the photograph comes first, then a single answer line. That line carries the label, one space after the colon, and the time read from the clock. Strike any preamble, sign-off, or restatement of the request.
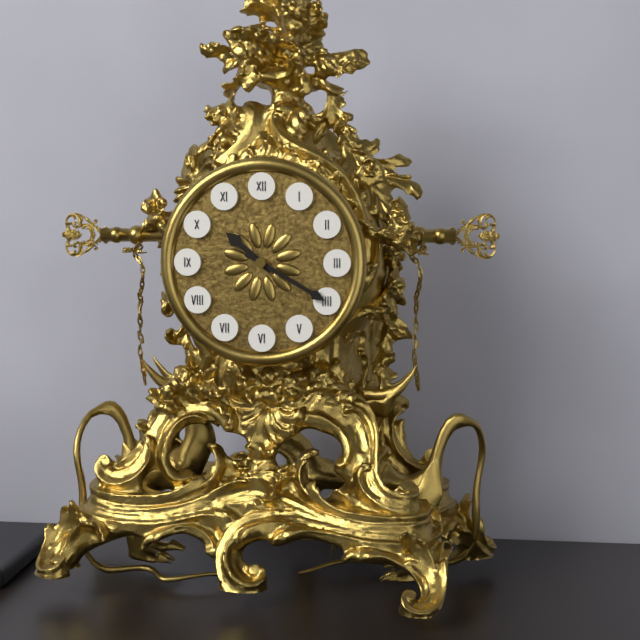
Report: 10:20
